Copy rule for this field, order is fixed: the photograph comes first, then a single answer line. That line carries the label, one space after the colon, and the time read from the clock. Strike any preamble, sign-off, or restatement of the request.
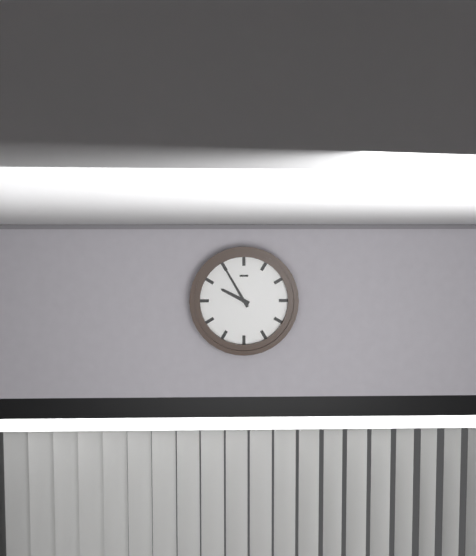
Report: 9:55
